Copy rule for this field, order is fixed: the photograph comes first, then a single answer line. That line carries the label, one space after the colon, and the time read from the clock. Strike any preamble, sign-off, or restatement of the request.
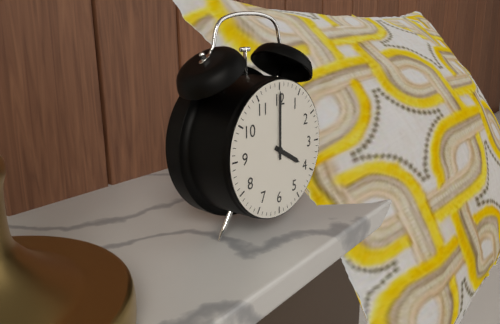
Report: 4:00
